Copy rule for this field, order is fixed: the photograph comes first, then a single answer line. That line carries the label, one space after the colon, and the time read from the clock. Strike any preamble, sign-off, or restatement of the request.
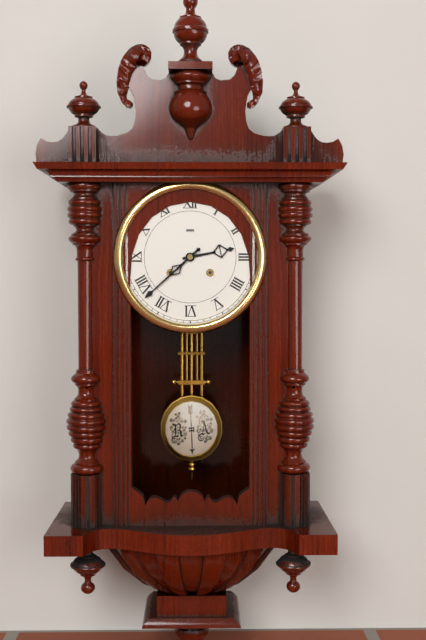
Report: 2:38
